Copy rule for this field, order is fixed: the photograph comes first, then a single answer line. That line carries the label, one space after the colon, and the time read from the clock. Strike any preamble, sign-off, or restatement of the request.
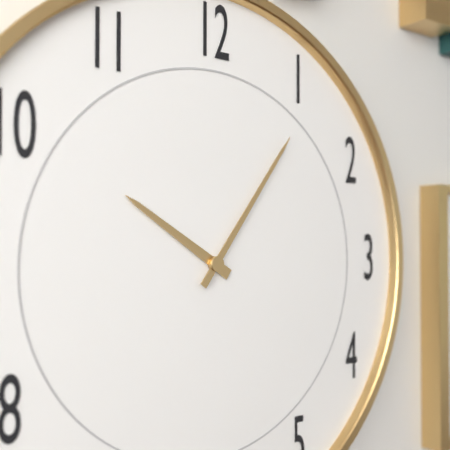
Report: 10:06
